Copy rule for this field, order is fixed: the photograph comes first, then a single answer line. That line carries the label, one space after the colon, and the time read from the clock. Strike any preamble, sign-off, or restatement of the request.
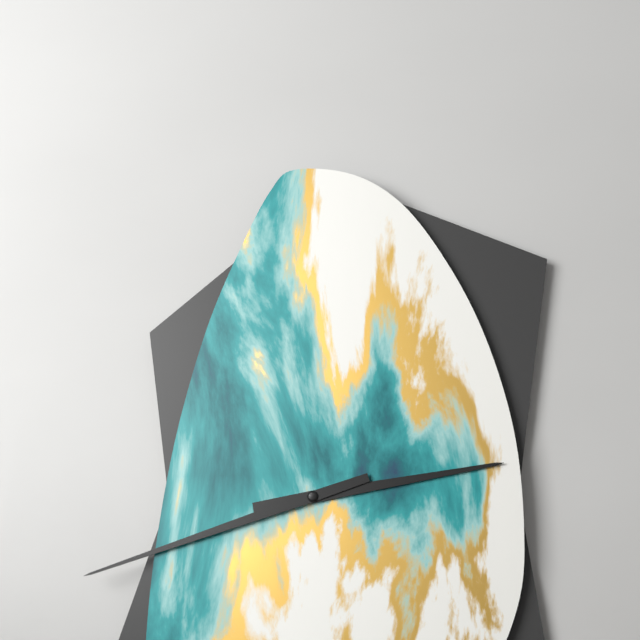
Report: 2:42
